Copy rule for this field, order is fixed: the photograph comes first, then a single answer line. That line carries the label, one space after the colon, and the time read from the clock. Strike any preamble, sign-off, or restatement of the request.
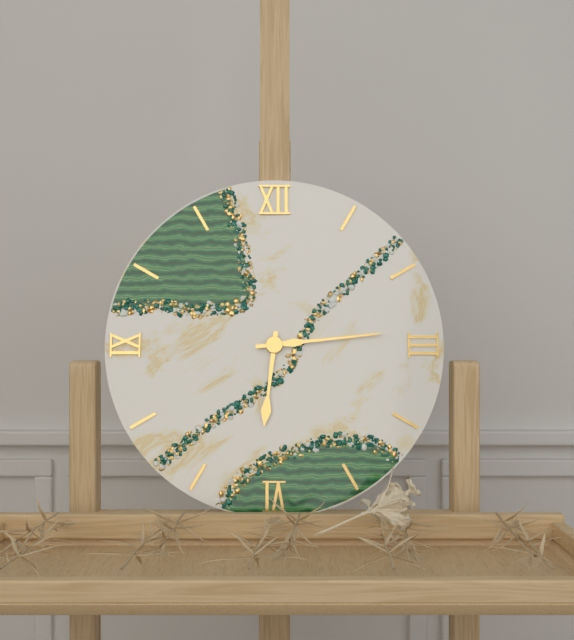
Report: 6:14
